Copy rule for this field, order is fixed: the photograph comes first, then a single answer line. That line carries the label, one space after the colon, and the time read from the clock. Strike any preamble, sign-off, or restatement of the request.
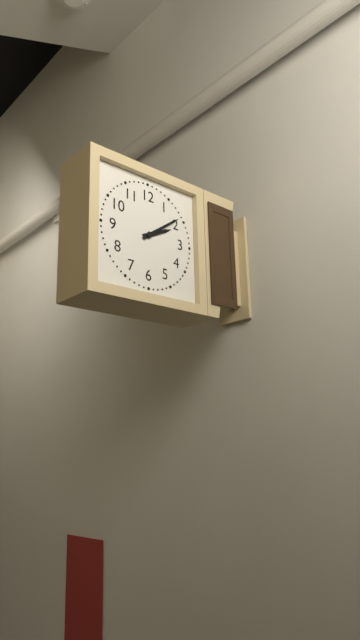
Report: 2:09
